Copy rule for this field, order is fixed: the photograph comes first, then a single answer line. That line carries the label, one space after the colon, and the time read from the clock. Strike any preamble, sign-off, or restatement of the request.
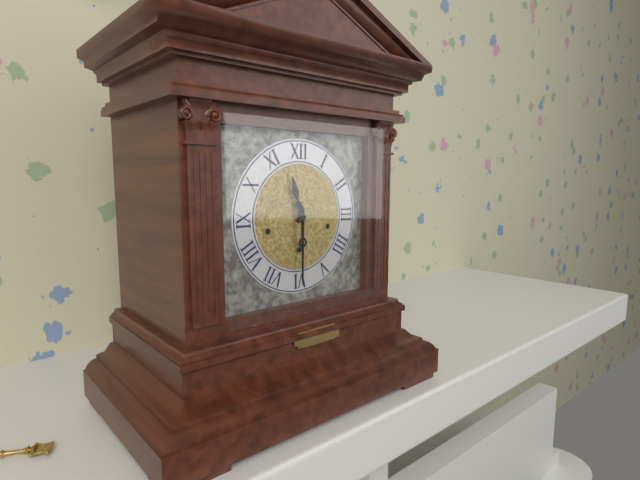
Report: 11:30
